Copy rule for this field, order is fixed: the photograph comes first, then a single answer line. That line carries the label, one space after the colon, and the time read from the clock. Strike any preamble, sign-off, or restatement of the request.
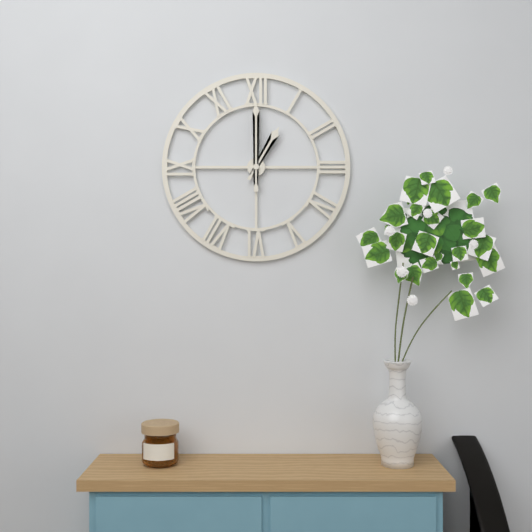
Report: 1:00
